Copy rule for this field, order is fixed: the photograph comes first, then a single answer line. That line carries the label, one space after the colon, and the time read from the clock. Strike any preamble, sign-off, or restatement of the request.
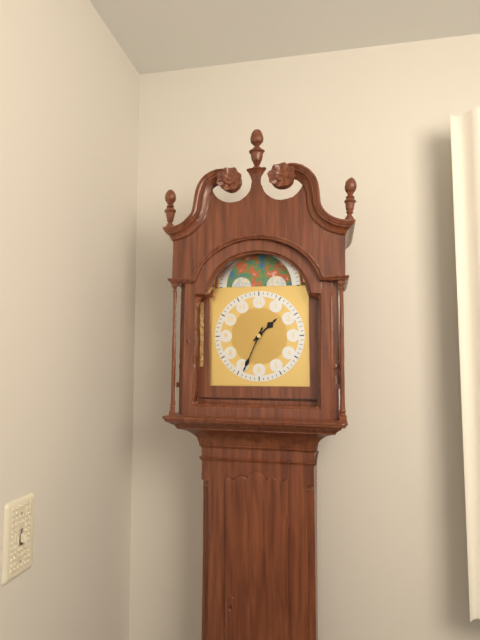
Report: 1:34
